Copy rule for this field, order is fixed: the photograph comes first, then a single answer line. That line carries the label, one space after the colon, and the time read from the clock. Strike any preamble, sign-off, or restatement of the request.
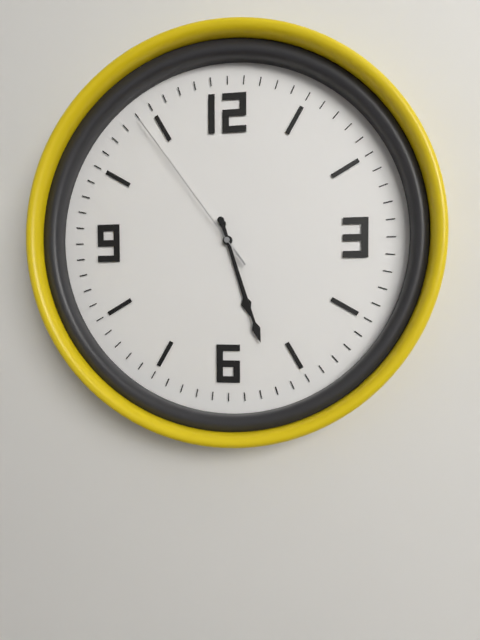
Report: 5:27:54
